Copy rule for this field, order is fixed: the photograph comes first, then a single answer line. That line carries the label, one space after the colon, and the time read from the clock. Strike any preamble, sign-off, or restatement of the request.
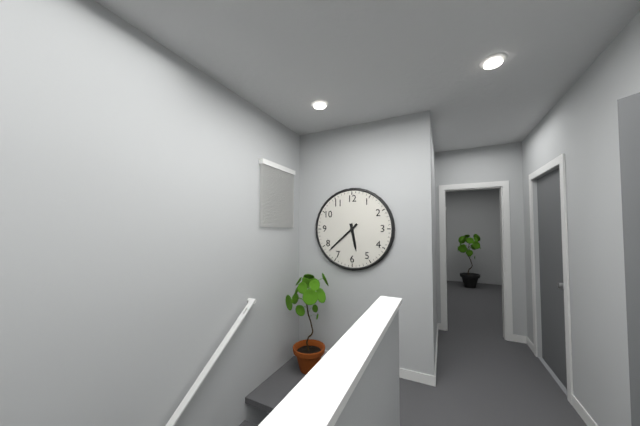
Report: 5:38
